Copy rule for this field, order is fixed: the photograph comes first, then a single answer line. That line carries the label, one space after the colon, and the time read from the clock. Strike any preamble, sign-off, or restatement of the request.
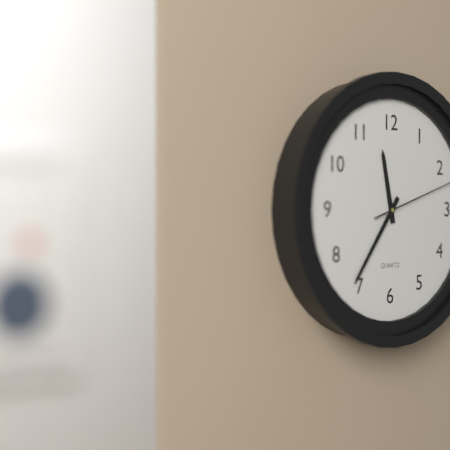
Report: 11:36
